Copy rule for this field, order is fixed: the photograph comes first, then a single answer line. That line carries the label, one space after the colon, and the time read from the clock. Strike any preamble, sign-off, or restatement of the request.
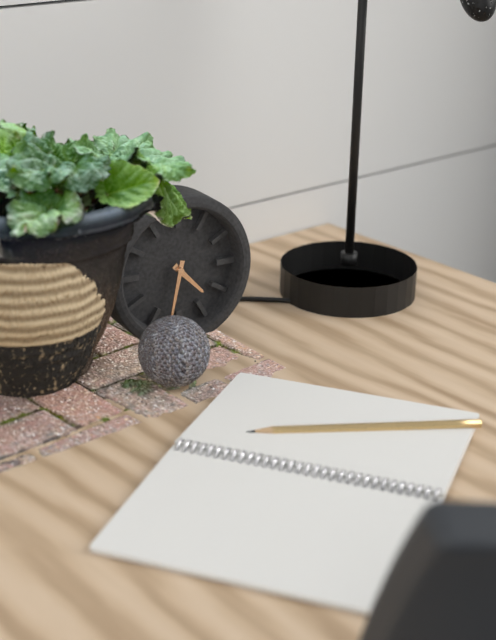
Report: 4:32
